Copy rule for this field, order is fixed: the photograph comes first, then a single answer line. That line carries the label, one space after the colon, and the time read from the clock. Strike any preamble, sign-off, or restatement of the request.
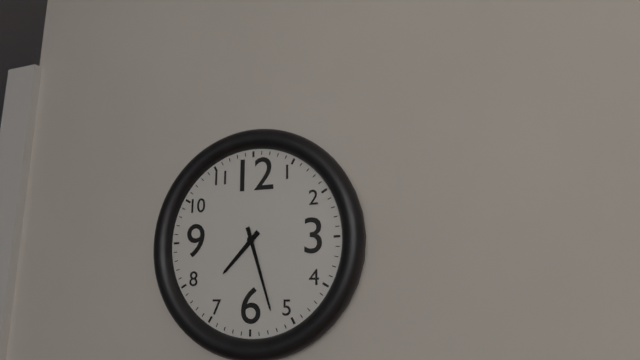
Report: 7:27
